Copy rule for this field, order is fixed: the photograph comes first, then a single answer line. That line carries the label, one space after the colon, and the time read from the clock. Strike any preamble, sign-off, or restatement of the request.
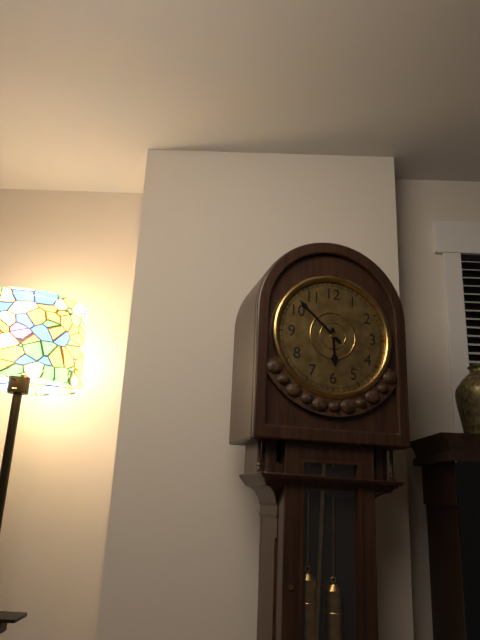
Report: 5:52
